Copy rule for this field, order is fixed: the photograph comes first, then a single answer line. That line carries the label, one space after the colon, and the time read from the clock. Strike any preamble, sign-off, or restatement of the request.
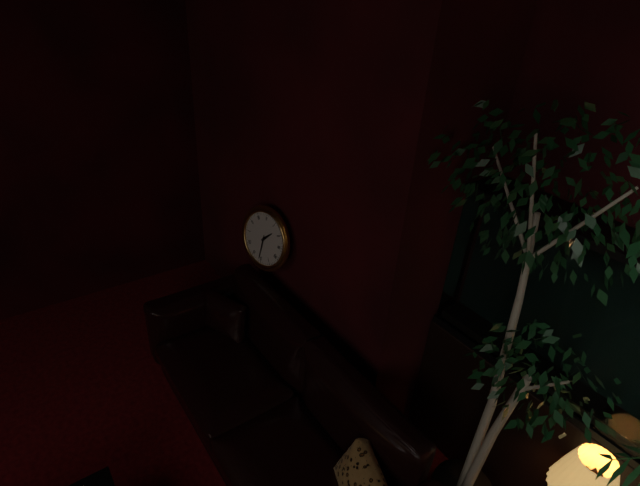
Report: 1:31
